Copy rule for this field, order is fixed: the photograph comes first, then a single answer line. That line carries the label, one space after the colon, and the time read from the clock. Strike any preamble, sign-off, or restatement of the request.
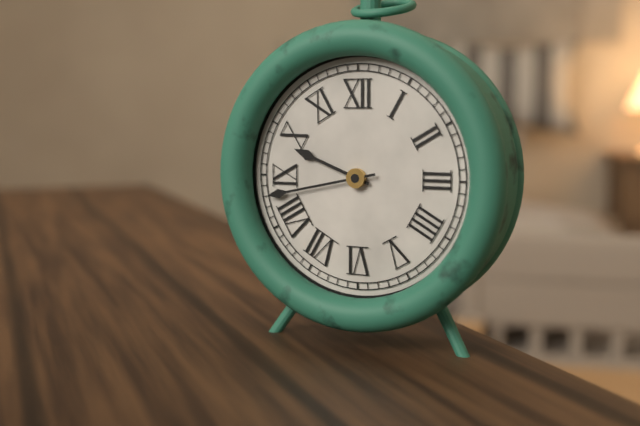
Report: 9:43
